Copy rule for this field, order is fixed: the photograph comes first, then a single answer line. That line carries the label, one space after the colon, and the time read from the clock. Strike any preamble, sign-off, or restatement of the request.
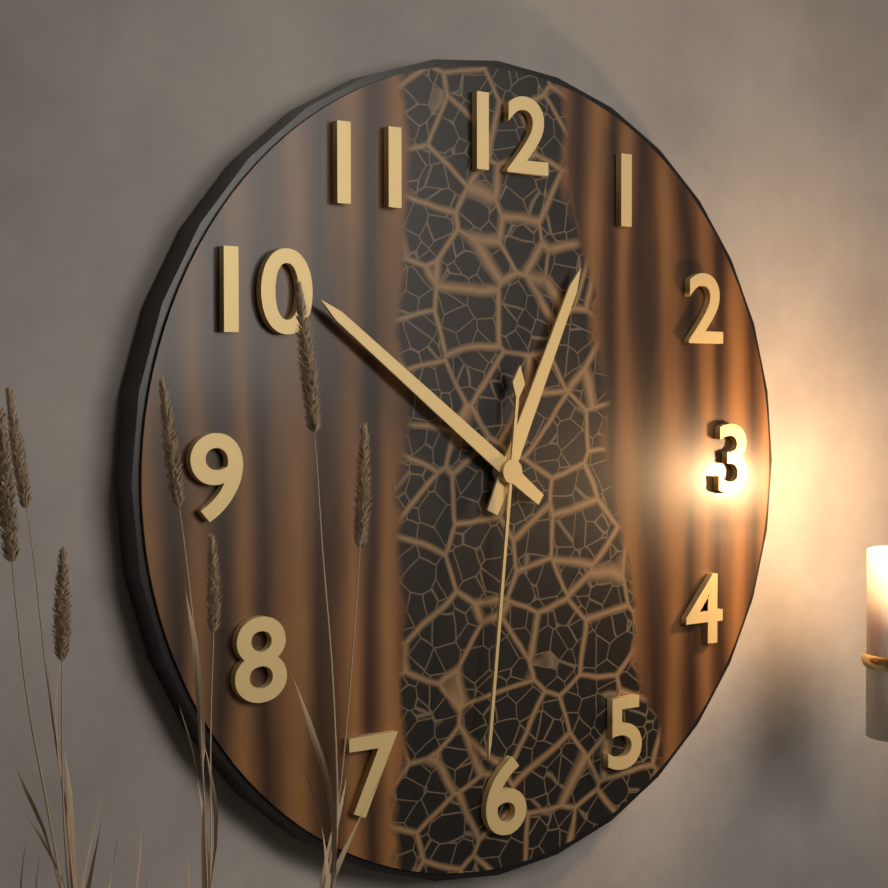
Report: 12:51:31
